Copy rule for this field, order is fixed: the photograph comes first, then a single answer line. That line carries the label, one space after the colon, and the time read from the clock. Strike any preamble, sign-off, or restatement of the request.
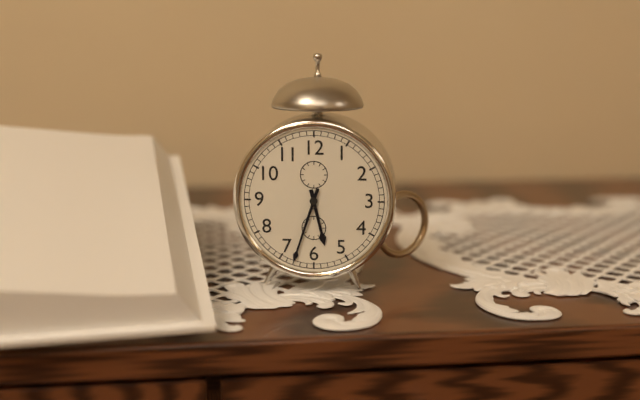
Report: 5:33
